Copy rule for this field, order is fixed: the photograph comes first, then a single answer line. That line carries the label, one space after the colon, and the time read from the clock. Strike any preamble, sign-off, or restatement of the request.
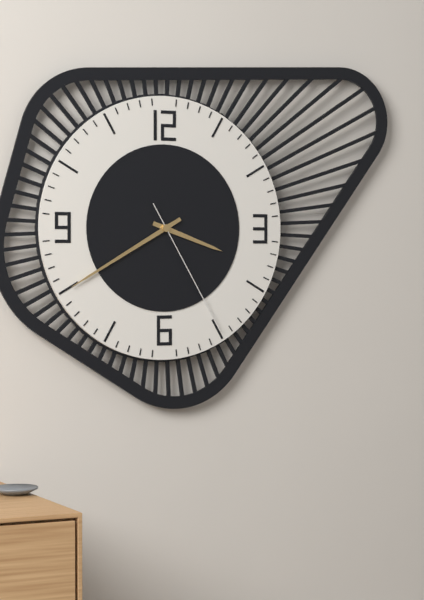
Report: 3:40:25
